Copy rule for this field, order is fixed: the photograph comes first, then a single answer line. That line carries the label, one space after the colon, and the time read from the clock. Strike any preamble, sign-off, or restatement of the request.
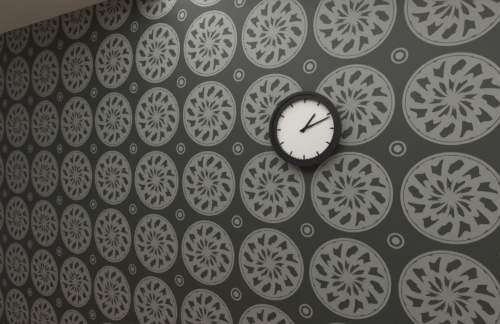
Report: 1:11
